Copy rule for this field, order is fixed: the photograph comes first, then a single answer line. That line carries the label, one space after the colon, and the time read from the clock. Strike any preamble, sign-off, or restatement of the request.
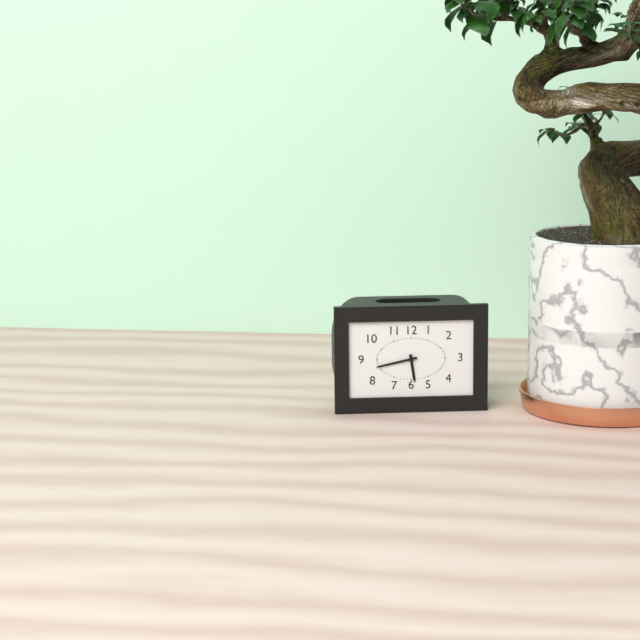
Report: 5:43
